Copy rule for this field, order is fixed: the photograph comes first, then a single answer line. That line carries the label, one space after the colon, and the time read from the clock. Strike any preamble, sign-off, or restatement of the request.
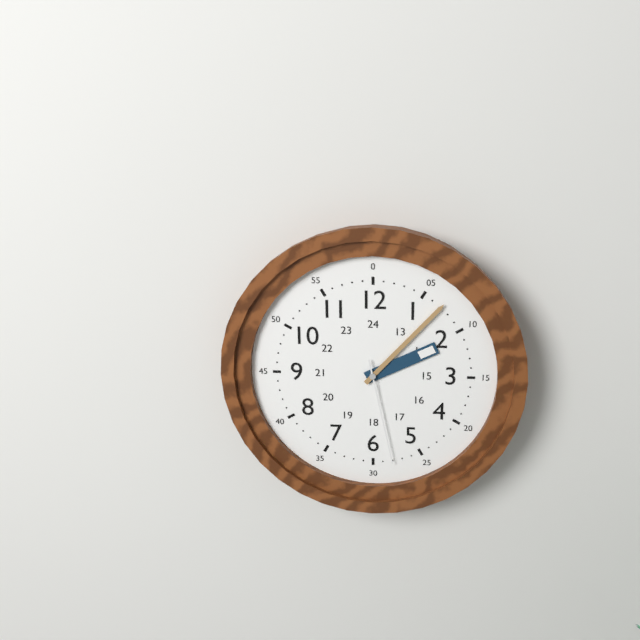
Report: 2:07:28
